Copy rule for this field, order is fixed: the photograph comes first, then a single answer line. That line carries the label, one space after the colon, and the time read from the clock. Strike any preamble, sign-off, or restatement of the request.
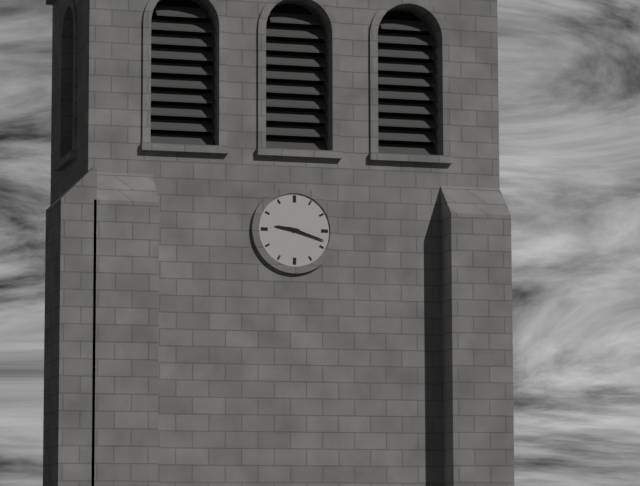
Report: 9:18
